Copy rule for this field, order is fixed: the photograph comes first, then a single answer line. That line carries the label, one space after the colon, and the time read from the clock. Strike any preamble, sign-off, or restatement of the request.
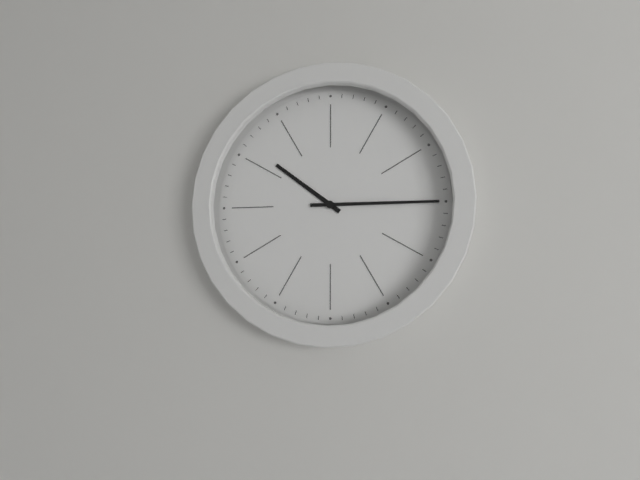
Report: 10:15
